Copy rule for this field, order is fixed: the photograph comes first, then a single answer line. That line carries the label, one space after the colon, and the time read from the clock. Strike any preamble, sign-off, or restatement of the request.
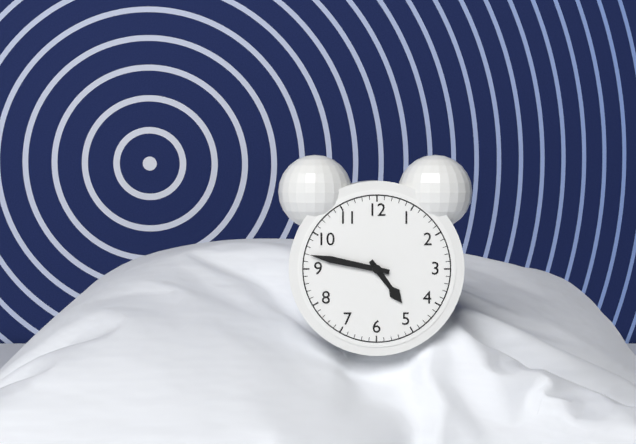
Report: 4:47
